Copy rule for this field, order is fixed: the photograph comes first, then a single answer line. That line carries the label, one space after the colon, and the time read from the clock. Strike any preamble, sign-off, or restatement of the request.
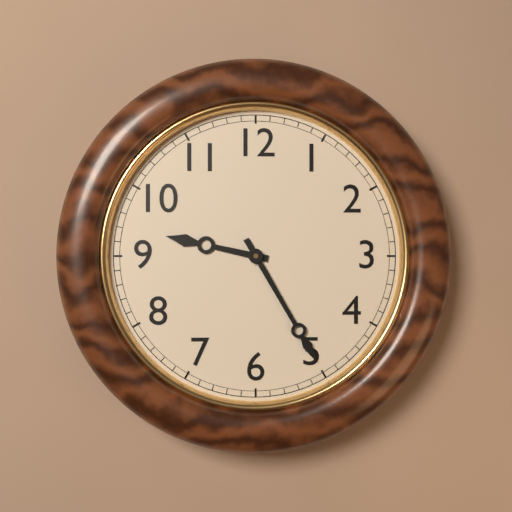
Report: 9:25
